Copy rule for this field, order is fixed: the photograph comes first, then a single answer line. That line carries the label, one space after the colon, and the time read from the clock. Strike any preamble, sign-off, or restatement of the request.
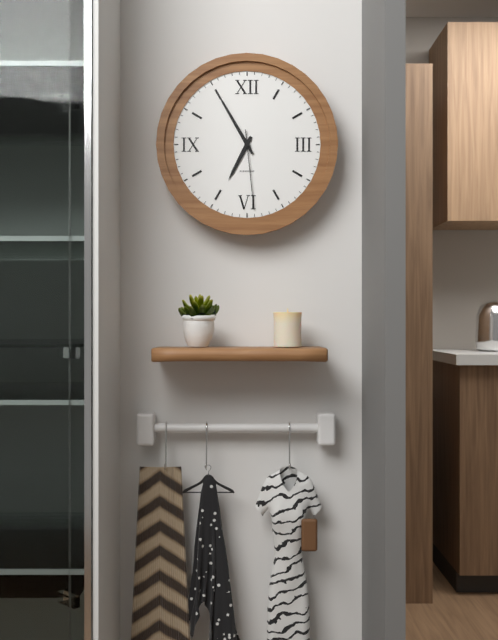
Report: 6:55:29
